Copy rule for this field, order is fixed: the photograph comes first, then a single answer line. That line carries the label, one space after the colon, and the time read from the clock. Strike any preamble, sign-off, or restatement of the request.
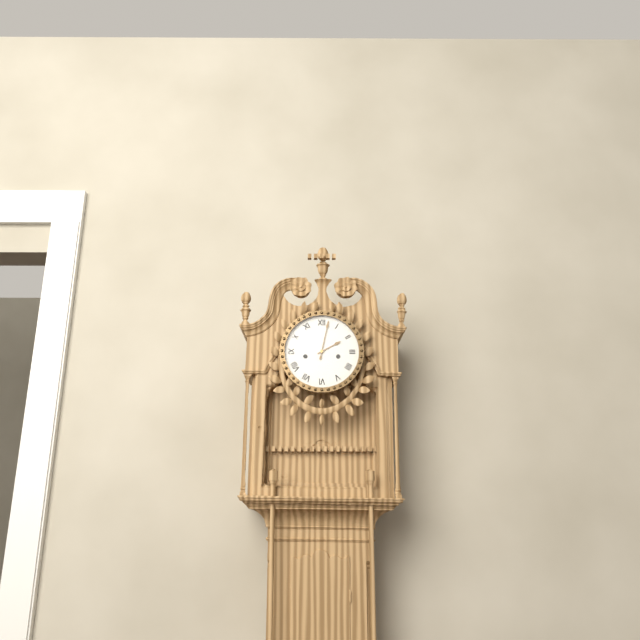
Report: 2:02
